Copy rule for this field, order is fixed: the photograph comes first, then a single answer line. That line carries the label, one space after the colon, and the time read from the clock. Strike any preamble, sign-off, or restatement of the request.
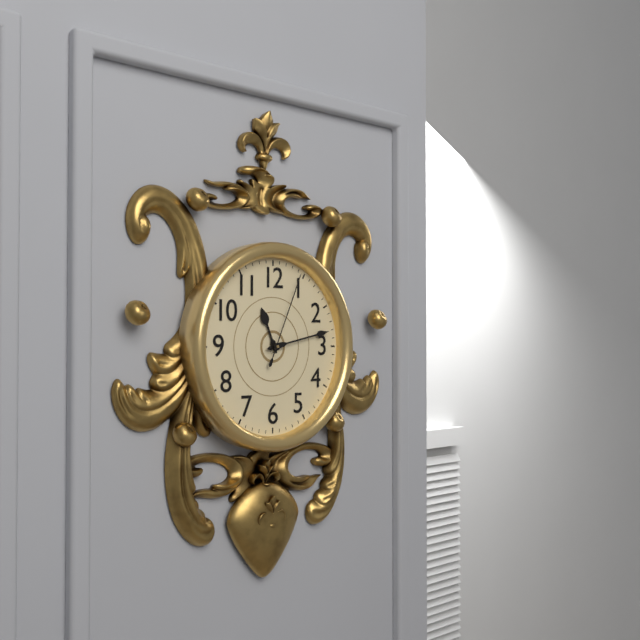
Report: 11:13:04
